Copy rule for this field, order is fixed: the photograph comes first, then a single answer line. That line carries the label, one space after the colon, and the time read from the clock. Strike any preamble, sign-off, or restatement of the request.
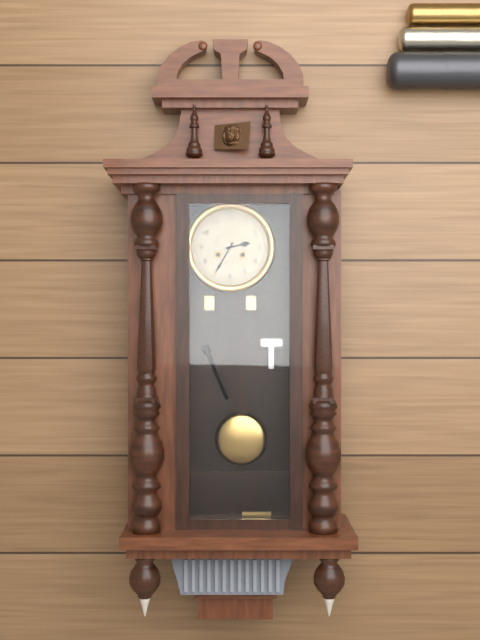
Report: 2:35
